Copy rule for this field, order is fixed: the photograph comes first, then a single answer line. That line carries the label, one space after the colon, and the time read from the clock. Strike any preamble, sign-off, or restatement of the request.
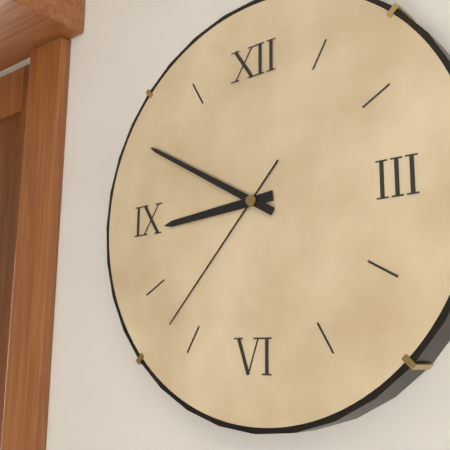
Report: 8:50:37
